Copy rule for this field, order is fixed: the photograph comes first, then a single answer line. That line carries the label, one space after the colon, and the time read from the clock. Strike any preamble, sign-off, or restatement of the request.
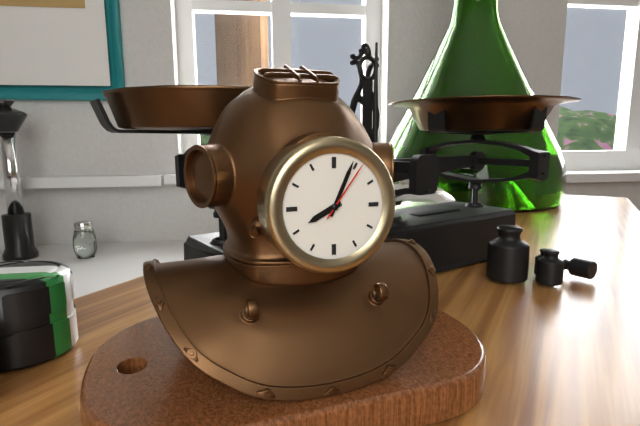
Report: 8:04:06
